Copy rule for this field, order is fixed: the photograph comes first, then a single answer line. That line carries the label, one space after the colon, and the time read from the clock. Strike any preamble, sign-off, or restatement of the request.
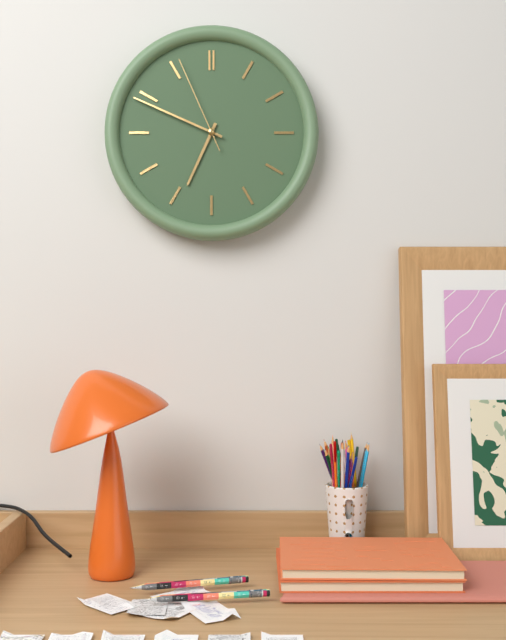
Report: 6:49:56
